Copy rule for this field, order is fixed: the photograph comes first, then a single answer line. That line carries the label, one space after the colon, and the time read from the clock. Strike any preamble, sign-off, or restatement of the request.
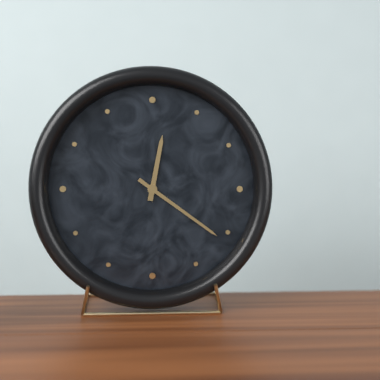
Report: 12:21
